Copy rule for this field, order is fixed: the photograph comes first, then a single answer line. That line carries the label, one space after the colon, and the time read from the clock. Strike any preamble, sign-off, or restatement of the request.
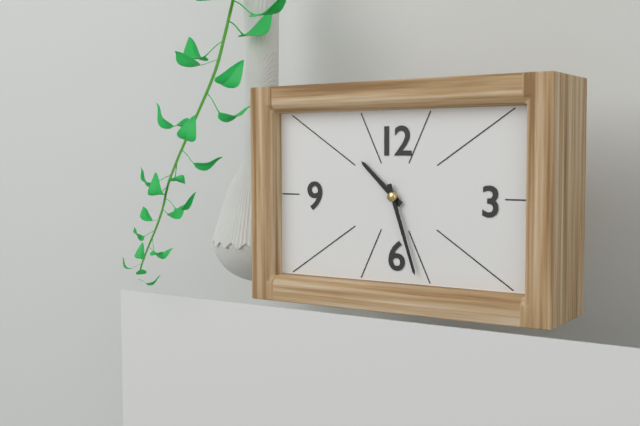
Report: 10:27
